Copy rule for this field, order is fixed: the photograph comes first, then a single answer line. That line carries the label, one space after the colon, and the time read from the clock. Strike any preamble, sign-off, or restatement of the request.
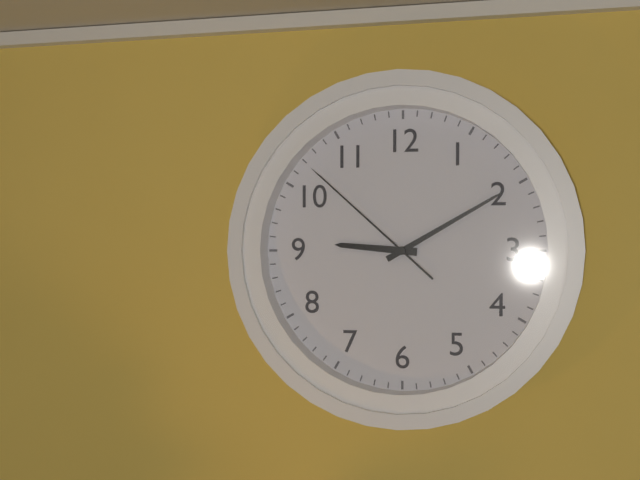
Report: 9:10:52
